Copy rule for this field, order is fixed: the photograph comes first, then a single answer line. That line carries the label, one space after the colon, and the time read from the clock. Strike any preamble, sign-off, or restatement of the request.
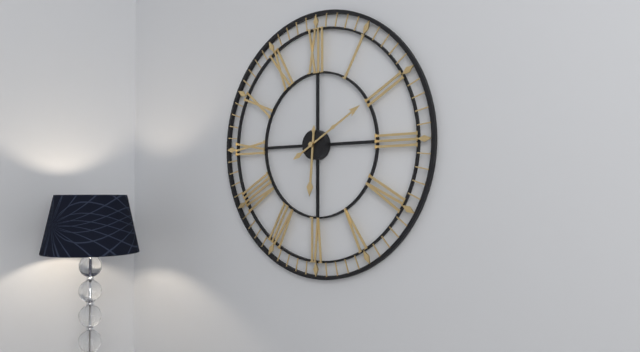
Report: 6:10
